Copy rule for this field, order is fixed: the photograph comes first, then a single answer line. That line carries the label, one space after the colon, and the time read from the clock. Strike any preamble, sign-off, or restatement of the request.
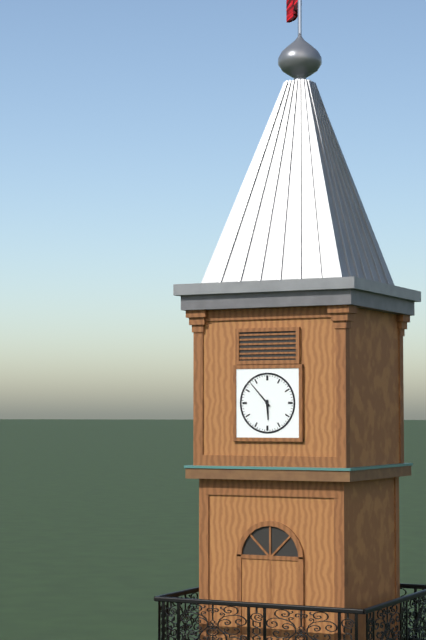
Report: 5:53
